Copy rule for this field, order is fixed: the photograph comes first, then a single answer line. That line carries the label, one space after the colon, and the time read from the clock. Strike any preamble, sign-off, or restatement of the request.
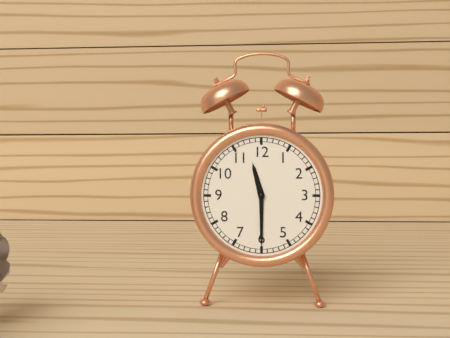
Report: 11:30
